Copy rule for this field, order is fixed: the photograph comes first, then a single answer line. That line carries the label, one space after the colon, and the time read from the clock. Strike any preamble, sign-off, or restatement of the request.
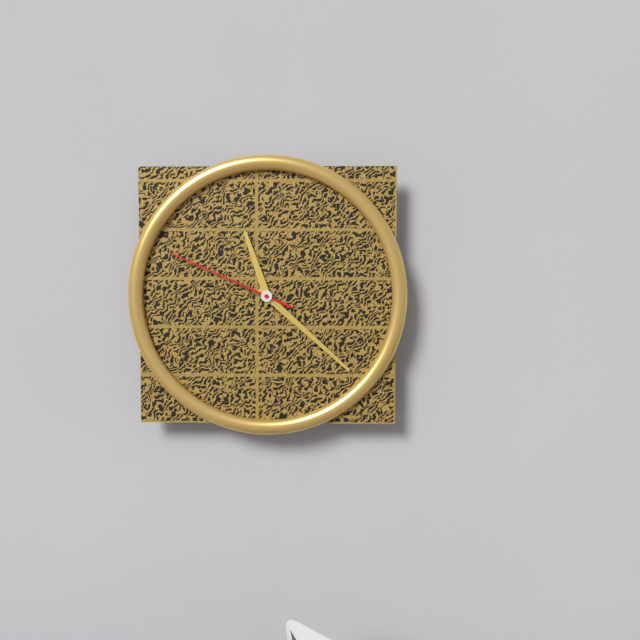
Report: 11:22:49
